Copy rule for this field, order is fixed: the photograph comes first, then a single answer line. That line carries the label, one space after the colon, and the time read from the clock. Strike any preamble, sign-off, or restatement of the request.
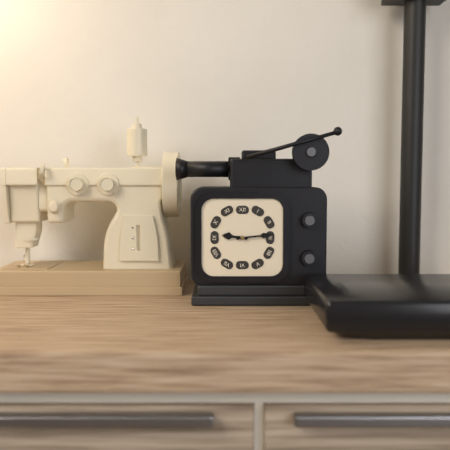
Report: 9:14
